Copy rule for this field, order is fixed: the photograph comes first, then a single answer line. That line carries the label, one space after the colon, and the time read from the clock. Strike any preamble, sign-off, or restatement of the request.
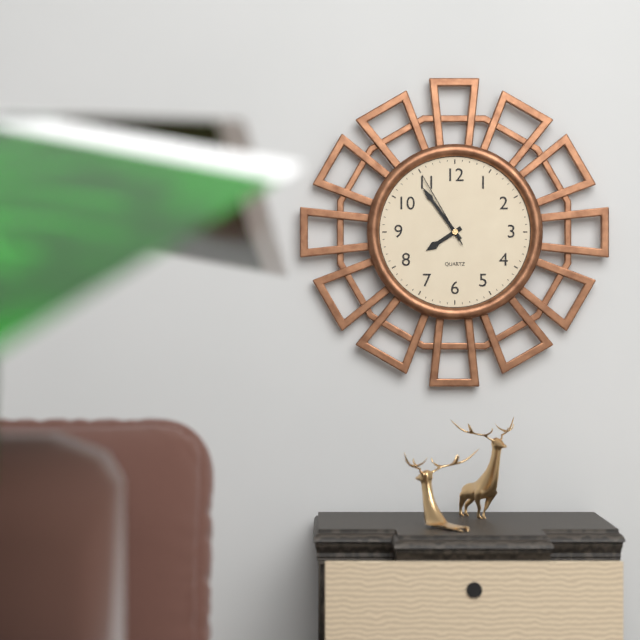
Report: 7:54:55
